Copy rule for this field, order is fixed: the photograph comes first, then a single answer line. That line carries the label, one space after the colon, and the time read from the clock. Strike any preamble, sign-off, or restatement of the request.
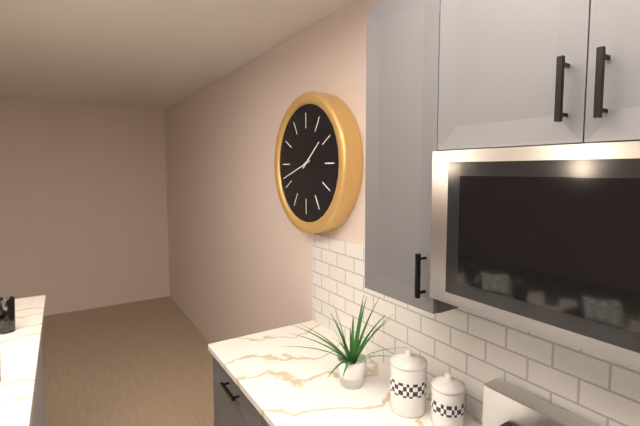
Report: 1:42
